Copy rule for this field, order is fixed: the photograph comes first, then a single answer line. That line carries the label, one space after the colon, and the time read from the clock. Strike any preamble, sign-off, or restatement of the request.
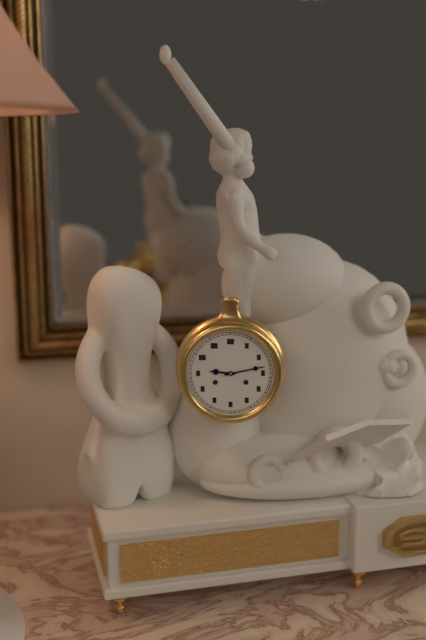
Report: 9:13
